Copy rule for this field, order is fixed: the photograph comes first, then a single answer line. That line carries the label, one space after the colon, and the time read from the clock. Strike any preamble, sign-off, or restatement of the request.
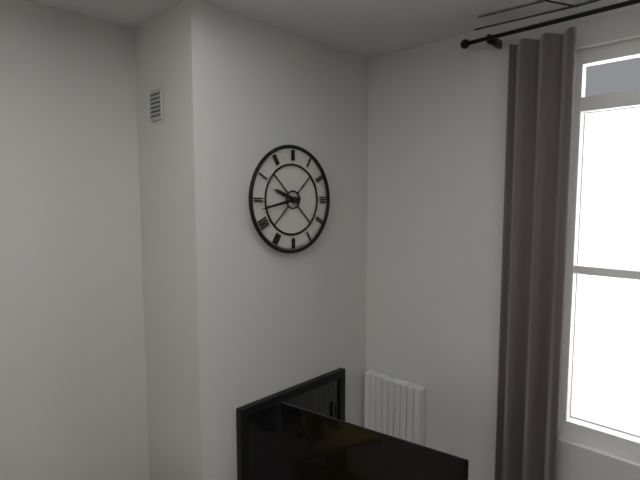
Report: 9:43
